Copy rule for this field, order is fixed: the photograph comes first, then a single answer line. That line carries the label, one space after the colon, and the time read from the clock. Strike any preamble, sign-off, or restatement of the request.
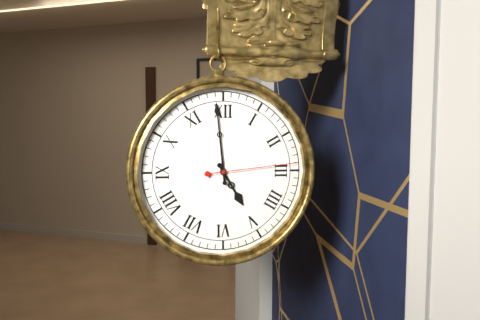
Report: 4:59:14
